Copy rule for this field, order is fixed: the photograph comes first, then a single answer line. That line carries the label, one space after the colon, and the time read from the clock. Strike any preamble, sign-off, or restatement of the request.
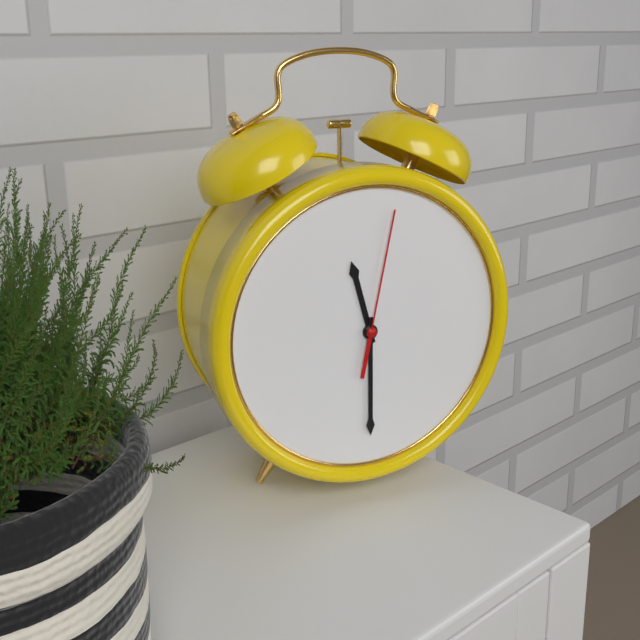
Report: 11:30:02
